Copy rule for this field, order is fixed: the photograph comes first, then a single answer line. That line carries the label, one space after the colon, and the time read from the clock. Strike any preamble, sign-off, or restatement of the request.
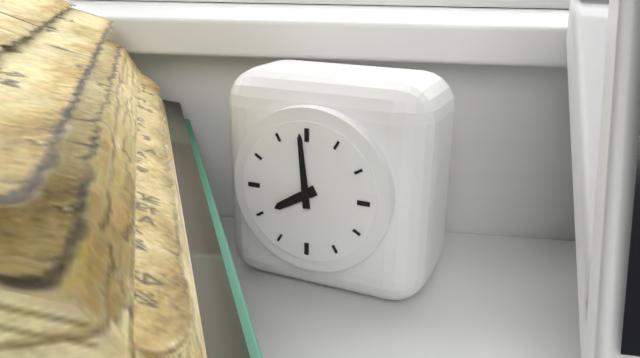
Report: 7:59
